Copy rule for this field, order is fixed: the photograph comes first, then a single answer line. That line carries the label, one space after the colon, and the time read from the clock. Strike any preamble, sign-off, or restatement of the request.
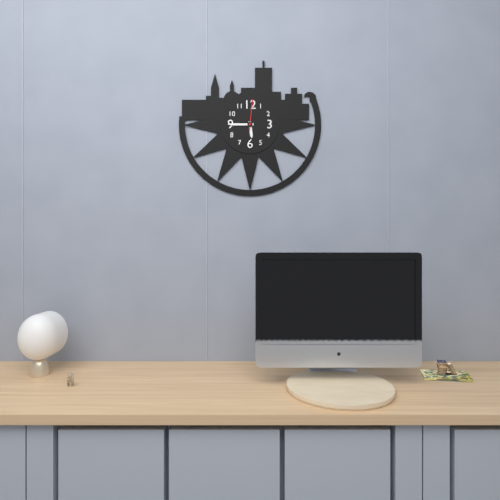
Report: 5:45
